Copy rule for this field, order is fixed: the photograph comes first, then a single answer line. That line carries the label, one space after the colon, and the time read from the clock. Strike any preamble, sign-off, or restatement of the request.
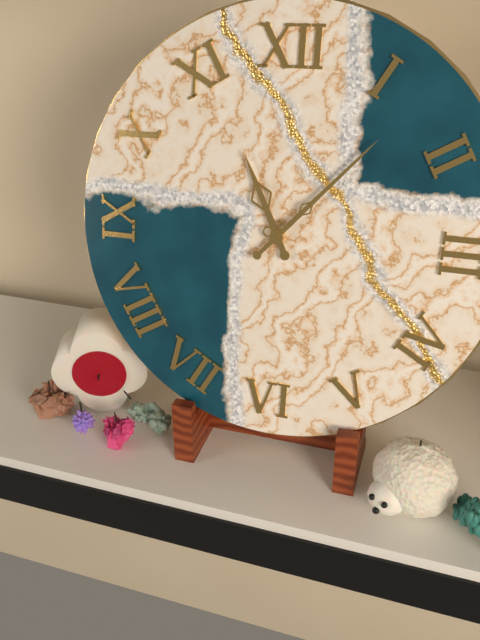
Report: 11:07
